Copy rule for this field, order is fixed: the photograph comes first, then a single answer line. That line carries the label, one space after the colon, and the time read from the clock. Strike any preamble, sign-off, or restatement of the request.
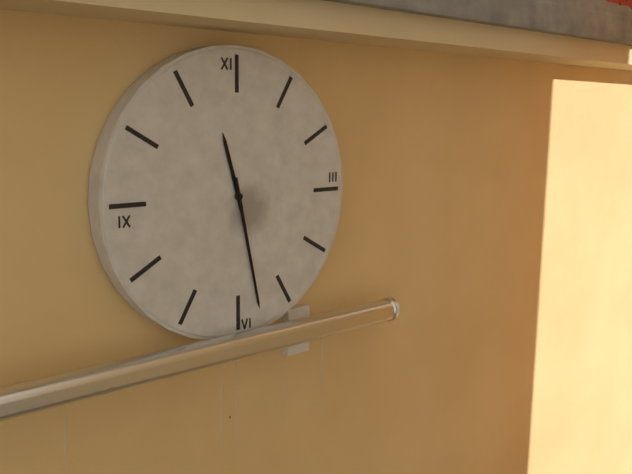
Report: 11:28
